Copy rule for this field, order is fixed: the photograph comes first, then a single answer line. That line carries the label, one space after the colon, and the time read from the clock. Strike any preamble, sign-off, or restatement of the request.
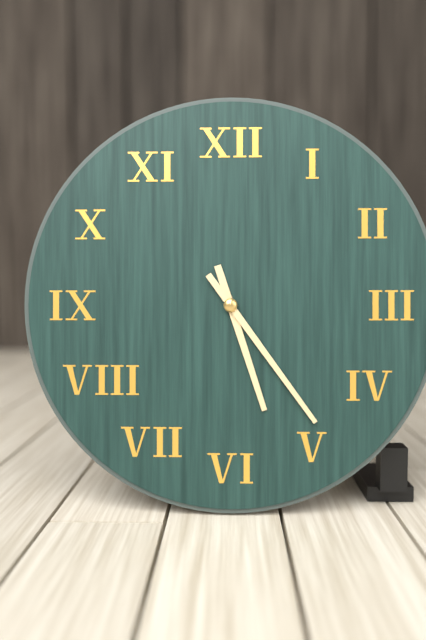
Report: 5:24
